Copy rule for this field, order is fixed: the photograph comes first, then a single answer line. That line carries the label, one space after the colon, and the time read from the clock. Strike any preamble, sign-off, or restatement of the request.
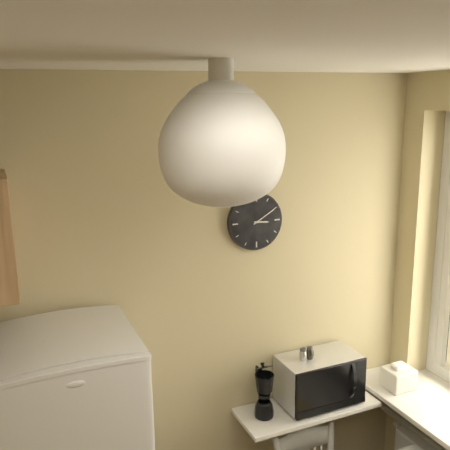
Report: 3:10
